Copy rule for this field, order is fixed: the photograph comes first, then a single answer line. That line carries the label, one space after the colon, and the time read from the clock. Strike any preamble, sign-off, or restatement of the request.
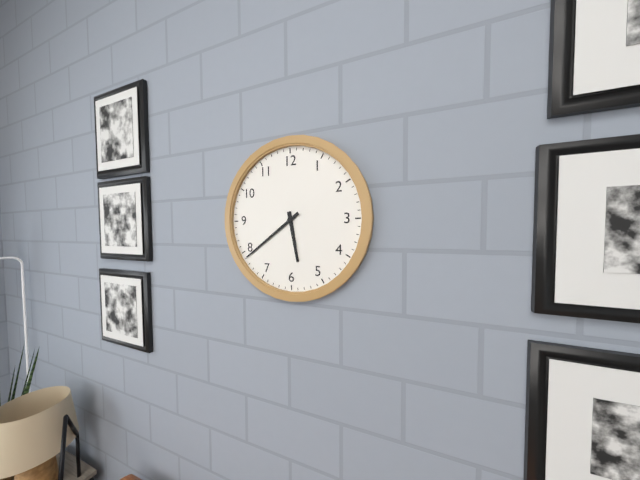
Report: 5:39
